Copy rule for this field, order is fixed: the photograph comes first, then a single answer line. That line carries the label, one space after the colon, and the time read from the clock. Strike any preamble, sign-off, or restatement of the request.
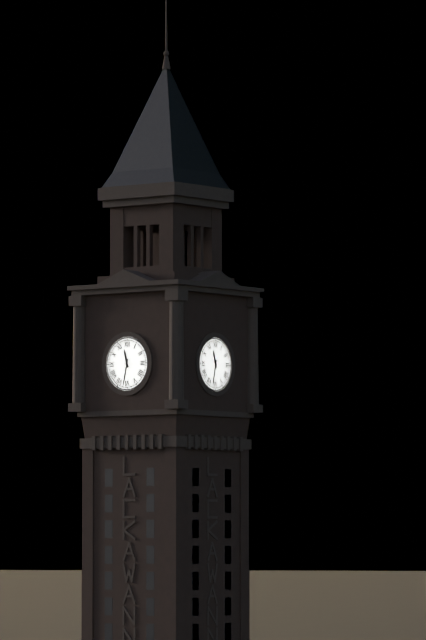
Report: 11:32
